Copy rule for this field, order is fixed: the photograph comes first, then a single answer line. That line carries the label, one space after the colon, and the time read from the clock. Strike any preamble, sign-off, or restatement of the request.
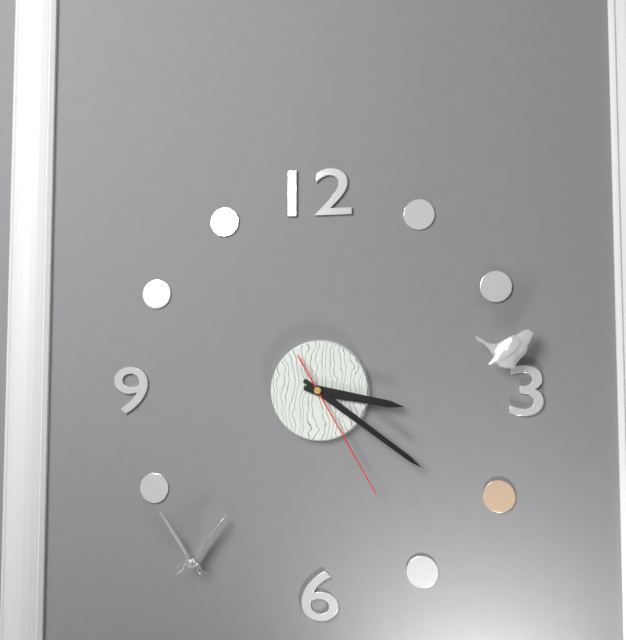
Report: 3:21:25
